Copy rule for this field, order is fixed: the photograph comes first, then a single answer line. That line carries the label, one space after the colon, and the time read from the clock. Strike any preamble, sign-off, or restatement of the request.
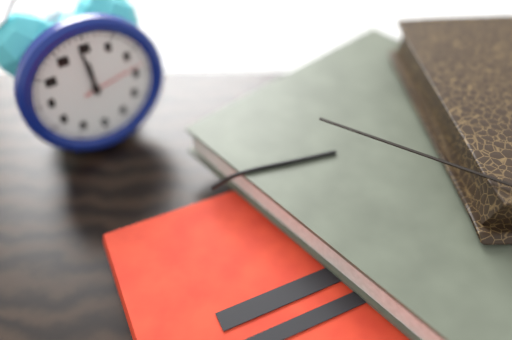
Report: 11:59:13
